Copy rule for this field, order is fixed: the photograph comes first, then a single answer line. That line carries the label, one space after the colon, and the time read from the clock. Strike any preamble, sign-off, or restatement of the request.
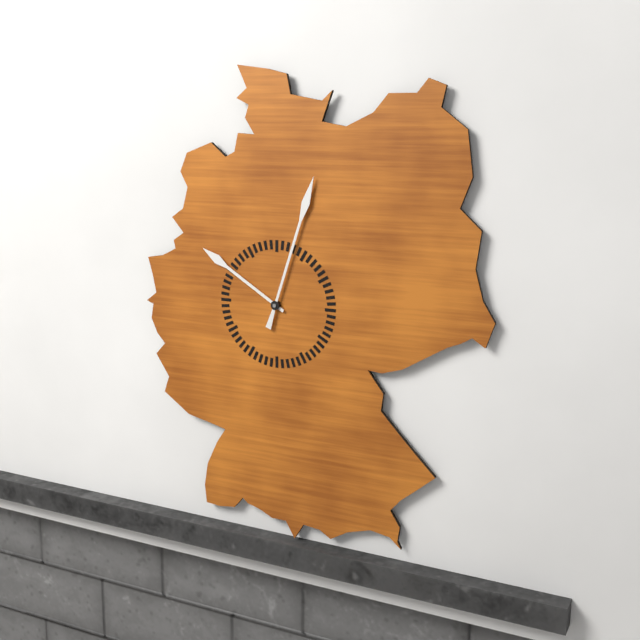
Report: 10:03
